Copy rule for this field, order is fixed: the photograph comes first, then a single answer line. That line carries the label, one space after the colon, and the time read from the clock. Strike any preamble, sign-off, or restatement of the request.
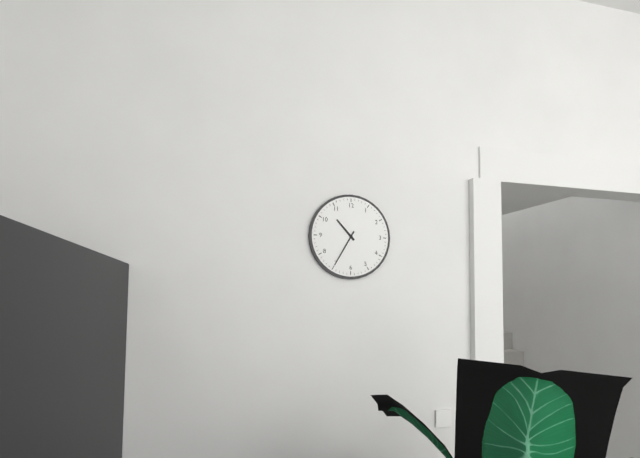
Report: 10:35
